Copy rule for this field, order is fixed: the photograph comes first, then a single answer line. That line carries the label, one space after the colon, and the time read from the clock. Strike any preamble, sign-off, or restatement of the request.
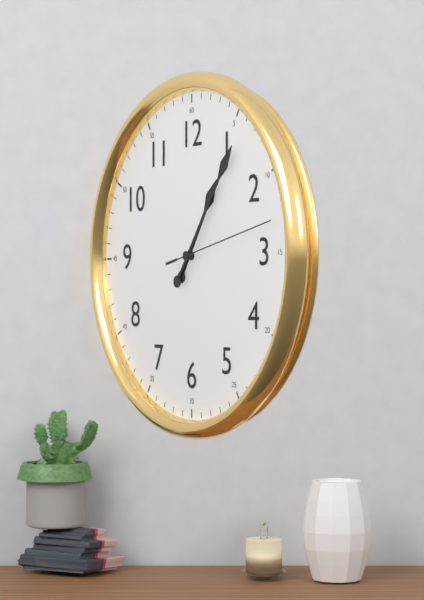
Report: 1:06:13
